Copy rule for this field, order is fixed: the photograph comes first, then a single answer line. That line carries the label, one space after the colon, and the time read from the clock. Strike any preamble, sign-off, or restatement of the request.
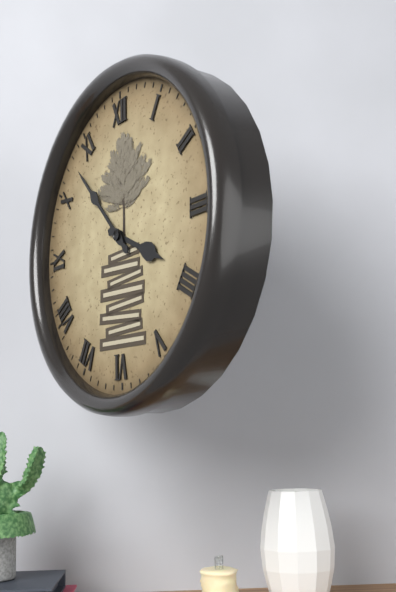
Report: 3:53
